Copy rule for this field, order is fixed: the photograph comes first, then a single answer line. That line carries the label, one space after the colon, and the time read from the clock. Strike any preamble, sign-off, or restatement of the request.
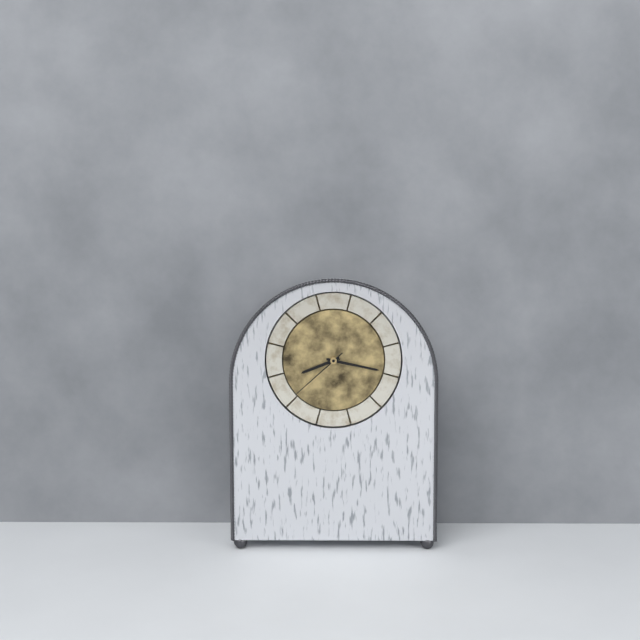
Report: 8:17:38
